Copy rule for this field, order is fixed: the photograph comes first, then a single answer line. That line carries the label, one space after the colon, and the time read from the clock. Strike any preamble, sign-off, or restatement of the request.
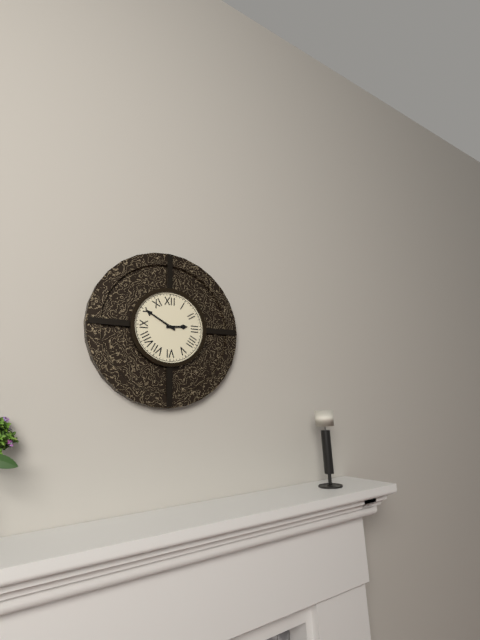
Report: 2:50
